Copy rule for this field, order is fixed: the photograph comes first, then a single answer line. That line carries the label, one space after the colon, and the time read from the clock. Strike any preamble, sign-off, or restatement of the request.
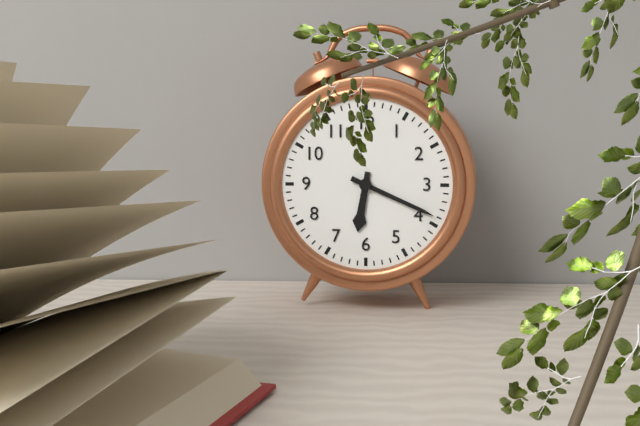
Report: 6:19
